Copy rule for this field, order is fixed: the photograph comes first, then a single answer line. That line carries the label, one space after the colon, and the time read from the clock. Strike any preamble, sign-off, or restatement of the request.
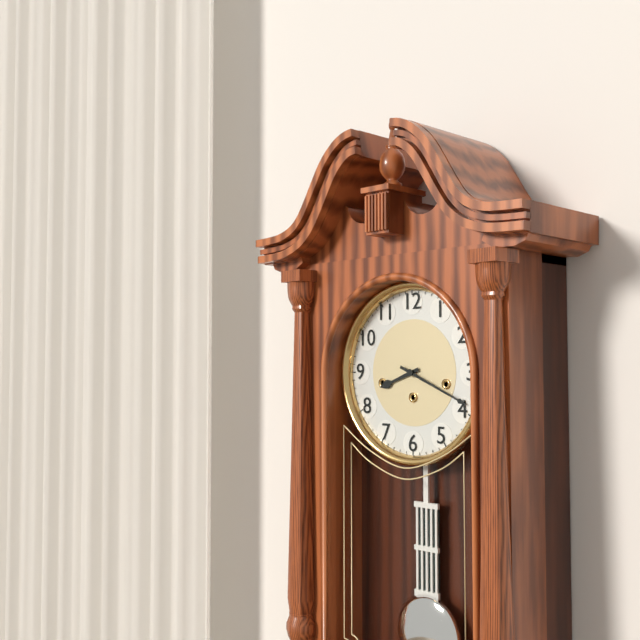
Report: 8:19
